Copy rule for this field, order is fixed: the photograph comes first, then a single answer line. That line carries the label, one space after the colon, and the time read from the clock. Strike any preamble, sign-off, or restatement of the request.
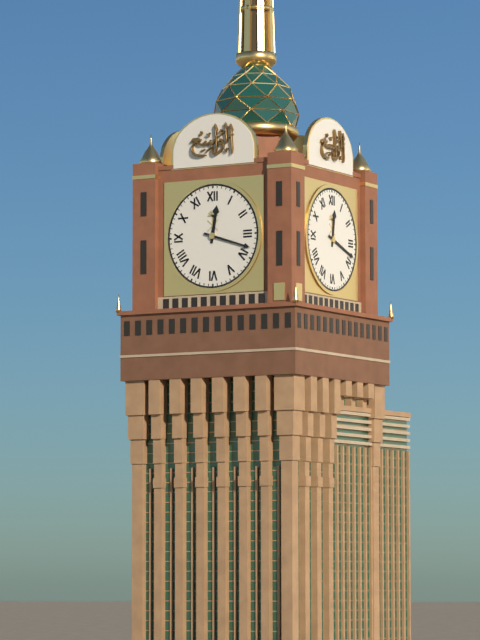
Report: 12:18
